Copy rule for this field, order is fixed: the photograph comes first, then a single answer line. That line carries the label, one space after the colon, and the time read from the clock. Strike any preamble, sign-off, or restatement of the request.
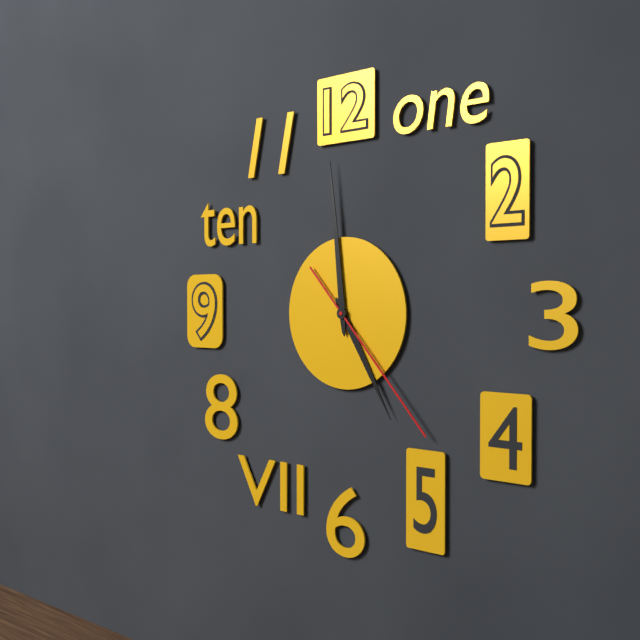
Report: 4:59:23
